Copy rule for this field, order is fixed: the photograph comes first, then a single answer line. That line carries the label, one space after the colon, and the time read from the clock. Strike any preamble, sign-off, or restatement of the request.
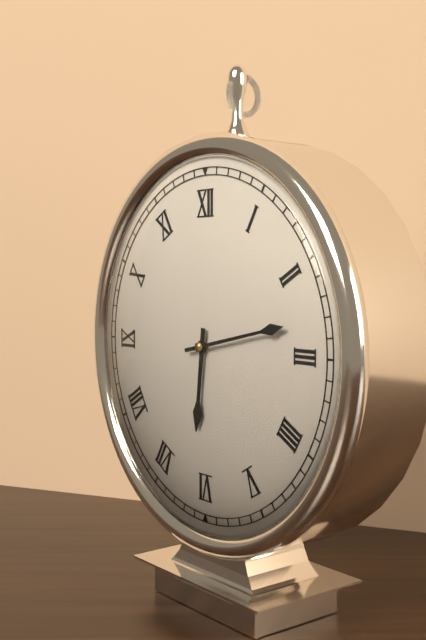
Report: 6:13
